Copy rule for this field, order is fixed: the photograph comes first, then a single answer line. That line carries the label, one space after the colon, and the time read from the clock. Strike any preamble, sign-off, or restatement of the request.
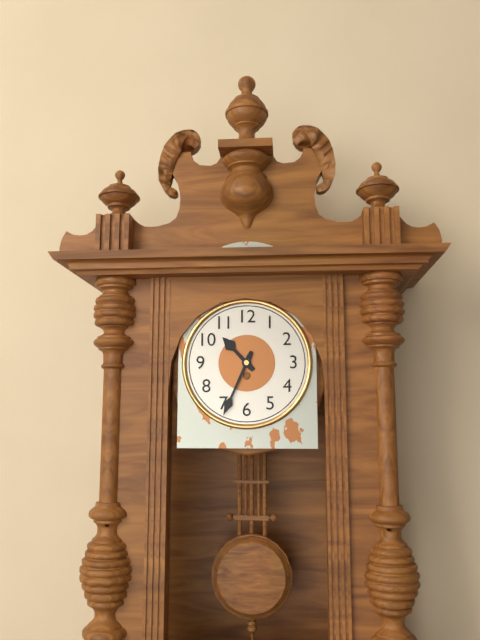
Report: 10:34
